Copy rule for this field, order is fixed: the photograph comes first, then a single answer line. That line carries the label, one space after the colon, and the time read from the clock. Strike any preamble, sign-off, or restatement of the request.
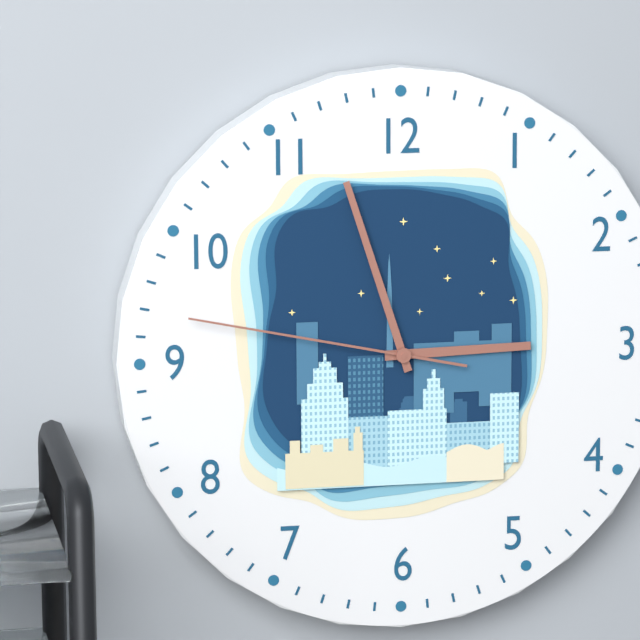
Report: 2:57:47
